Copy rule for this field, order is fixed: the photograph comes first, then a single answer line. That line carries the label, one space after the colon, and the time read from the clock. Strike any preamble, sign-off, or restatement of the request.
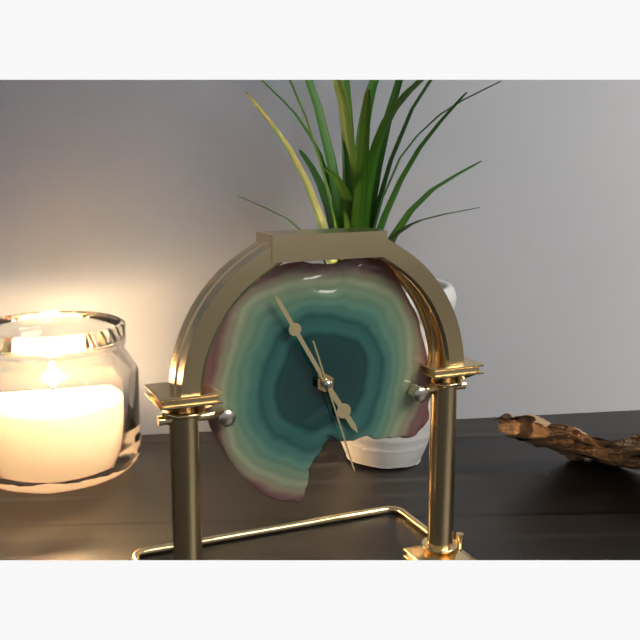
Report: 4:55:27
